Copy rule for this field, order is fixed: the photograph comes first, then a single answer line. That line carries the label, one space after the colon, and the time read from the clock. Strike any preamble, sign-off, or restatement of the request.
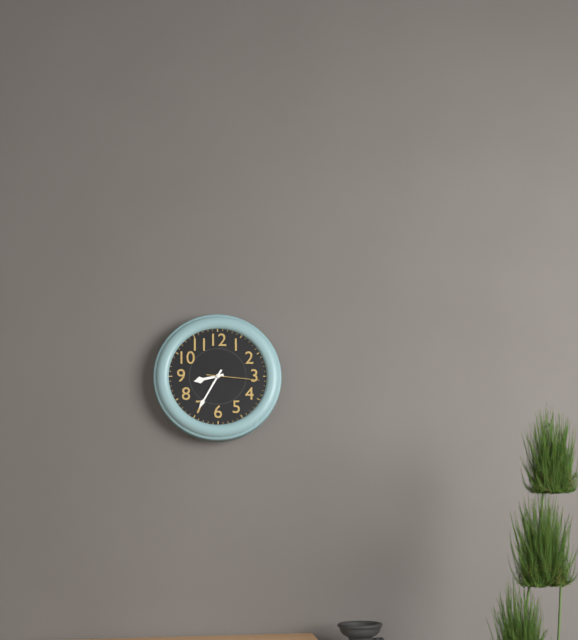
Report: 8:35:16
